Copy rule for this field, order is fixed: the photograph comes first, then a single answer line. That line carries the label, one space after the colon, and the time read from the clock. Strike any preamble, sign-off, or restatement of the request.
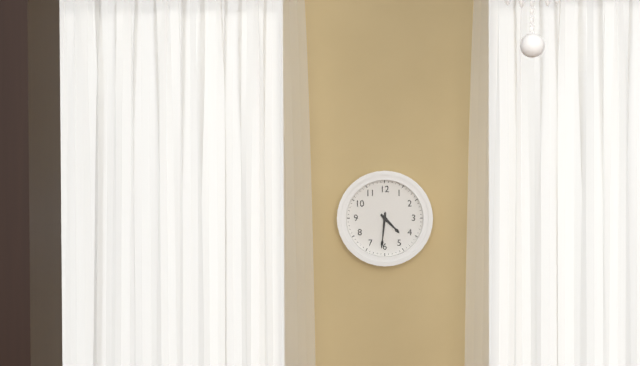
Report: 4:31
